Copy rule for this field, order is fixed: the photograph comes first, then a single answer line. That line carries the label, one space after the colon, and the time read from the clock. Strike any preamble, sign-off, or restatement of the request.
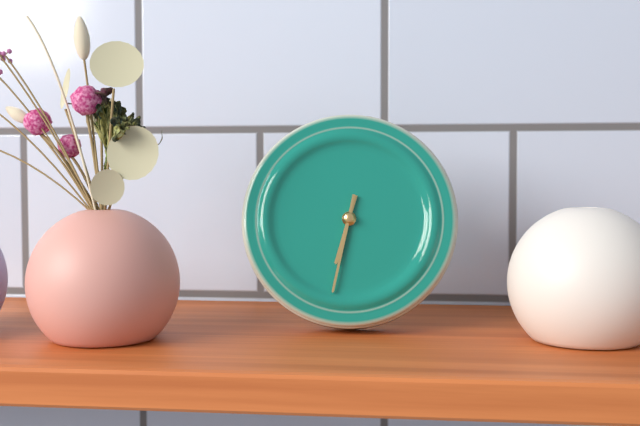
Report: 6:32
